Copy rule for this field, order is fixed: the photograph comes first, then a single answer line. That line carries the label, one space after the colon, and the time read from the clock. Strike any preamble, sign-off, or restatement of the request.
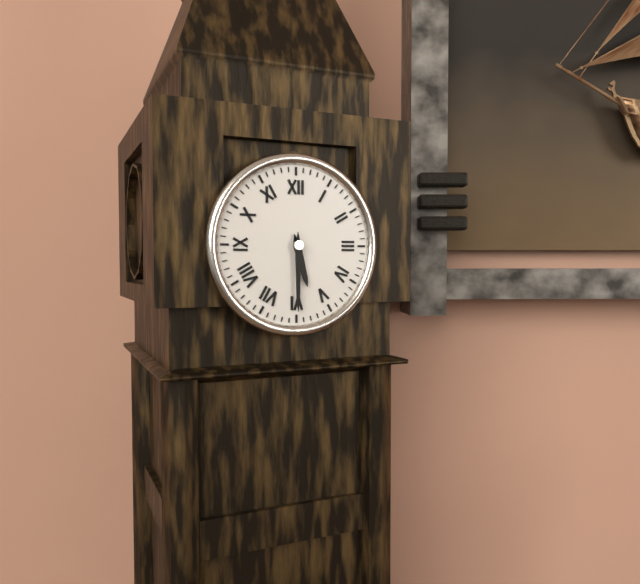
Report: 5:30
